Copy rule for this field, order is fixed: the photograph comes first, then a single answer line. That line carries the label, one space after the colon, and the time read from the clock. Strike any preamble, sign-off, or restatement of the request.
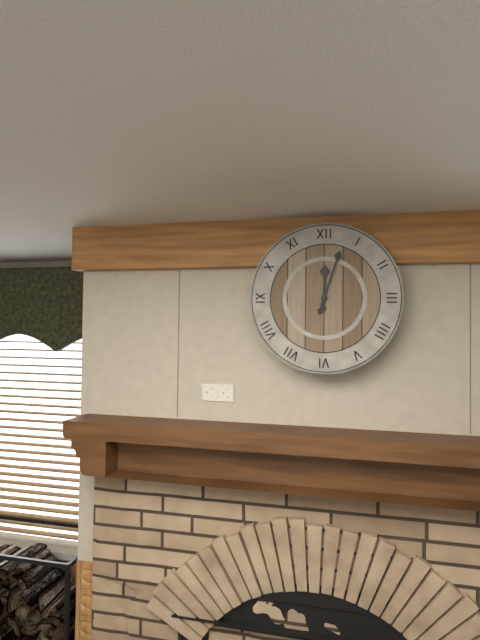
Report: 12:03
